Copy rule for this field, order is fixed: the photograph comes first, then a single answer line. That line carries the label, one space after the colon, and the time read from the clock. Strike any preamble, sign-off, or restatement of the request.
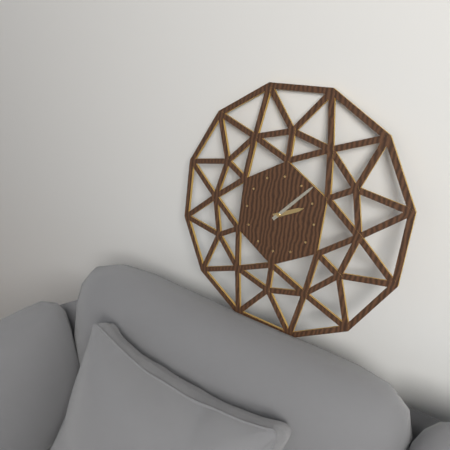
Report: 2:07
